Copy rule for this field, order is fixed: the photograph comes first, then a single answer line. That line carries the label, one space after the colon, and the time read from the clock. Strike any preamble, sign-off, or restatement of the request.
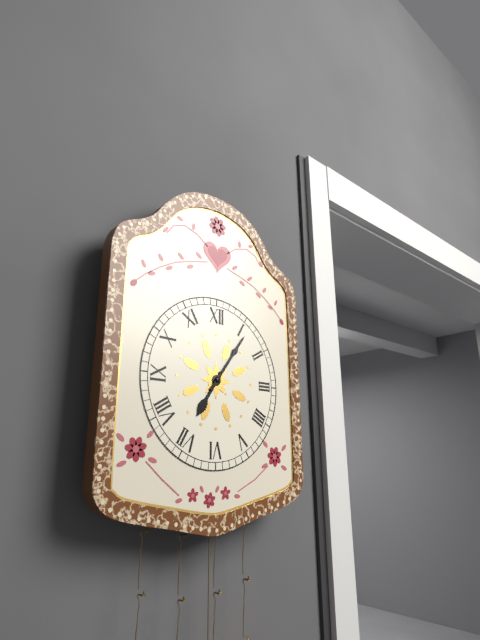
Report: 7:06
